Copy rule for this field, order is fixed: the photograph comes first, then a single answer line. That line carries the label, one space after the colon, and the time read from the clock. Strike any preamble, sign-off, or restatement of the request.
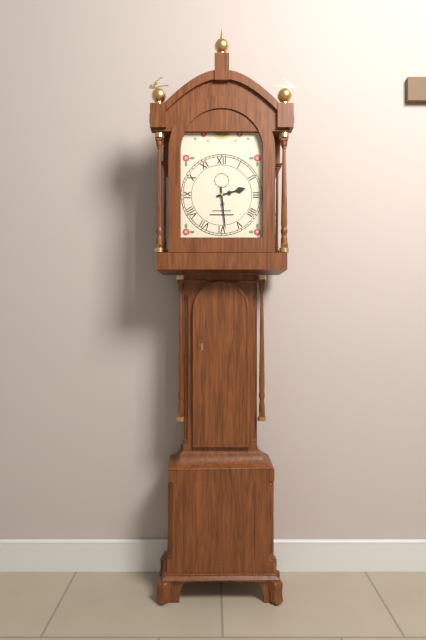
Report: 2:29
